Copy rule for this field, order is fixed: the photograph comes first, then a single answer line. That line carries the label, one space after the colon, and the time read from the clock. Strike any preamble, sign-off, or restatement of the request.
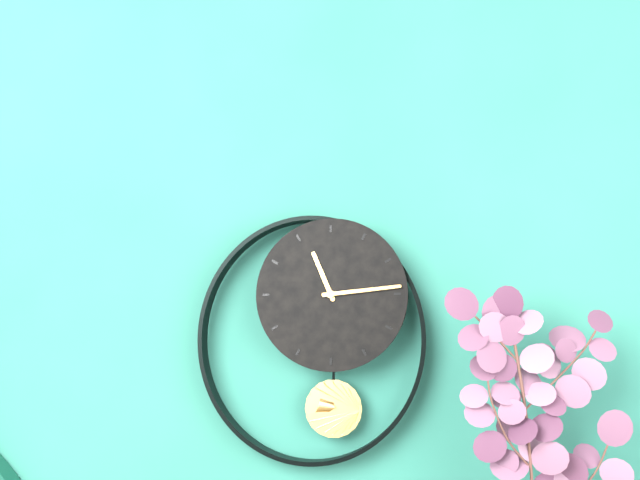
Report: 11:14
